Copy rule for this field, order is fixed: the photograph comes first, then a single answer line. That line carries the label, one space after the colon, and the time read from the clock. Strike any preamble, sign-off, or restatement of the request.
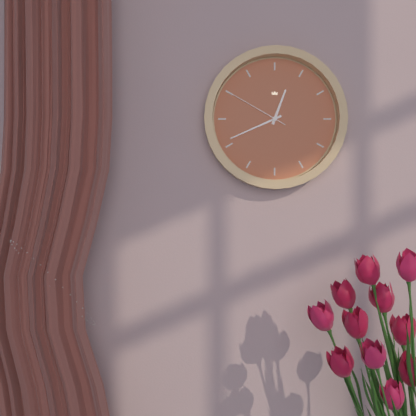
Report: 12:41:50
